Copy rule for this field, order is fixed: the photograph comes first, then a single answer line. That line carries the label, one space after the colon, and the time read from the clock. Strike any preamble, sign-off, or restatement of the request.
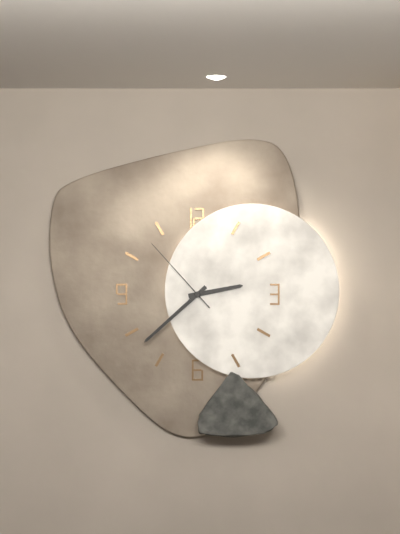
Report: 2:38:53
